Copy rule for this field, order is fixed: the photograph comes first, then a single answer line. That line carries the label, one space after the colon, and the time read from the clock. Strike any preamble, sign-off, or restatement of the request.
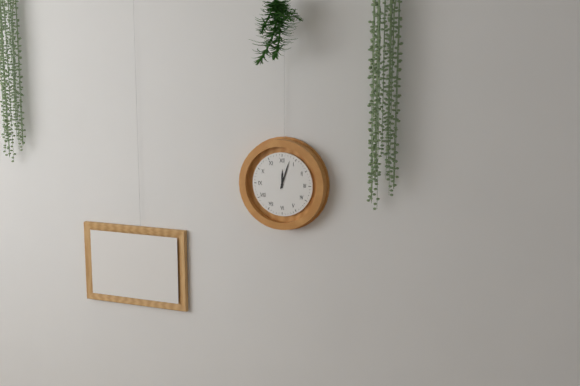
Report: 12:03
